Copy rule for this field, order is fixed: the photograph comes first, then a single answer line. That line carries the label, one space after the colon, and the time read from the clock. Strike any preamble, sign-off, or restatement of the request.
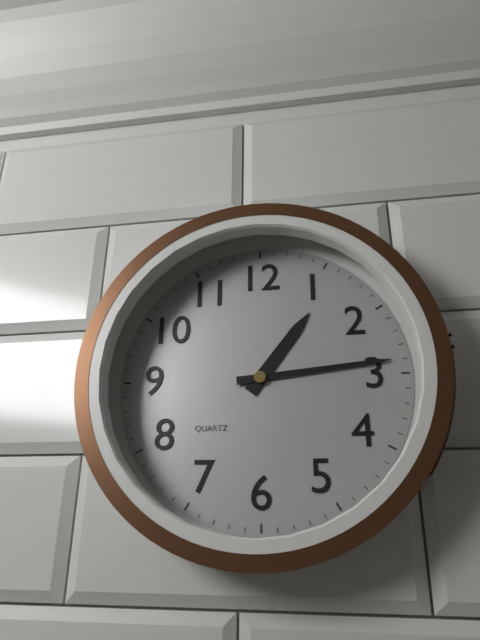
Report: 1:14
